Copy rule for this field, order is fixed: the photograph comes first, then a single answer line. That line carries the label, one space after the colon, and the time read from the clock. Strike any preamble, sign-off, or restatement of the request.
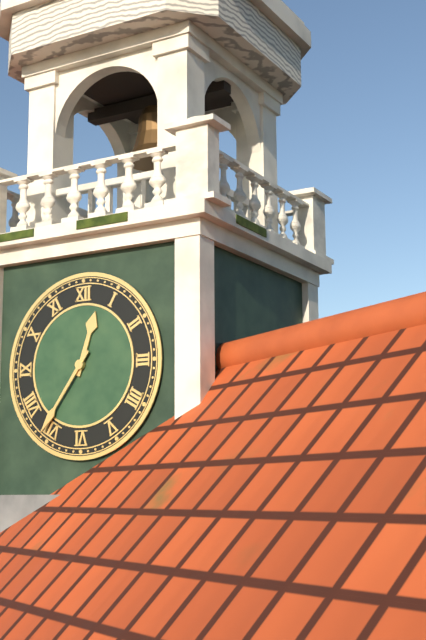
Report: 12:36
